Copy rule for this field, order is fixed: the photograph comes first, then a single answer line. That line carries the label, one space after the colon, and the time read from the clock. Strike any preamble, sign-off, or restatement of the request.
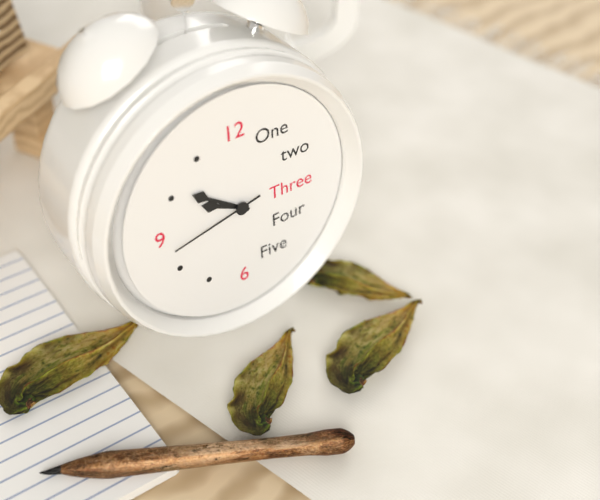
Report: 9:51:43
